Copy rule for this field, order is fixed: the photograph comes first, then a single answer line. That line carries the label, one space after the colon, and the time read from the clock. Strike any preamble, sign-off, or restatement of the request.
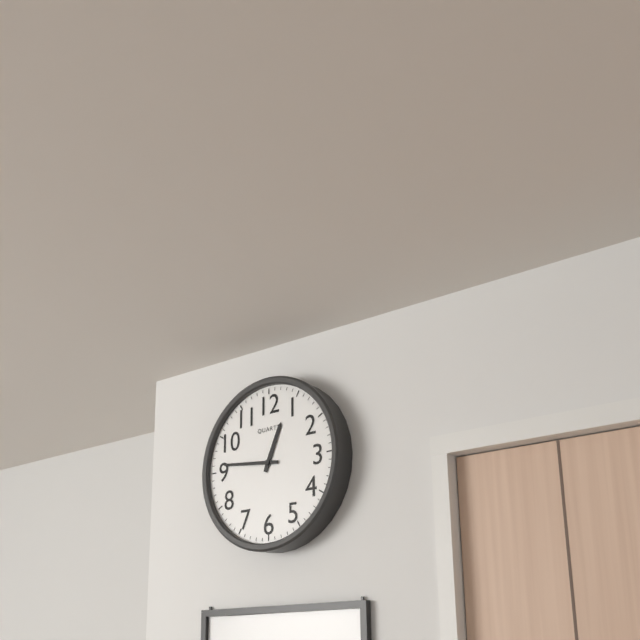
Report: 12:46
